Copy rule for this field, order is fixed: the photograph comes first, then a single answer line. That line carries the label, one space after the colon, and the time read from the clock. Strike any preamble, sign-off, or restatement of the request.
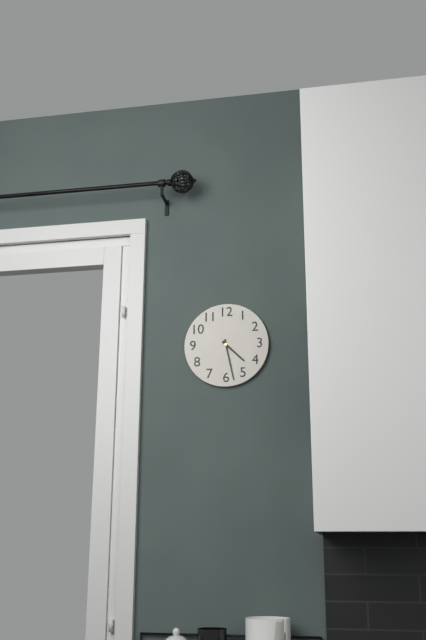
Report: 4:28
